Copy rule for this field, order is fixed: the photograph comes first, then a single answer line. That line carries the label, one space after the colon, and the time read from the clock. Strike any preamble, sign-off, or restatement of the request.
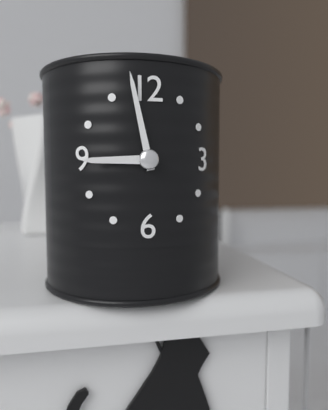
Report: 8:58
